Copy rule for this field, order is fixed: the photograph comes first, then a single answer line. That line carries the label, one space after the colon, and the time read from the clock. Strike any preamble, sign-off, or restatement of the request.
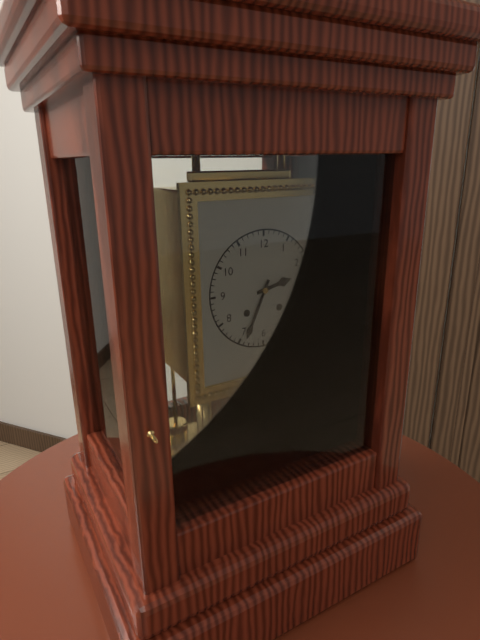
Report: 2:34
